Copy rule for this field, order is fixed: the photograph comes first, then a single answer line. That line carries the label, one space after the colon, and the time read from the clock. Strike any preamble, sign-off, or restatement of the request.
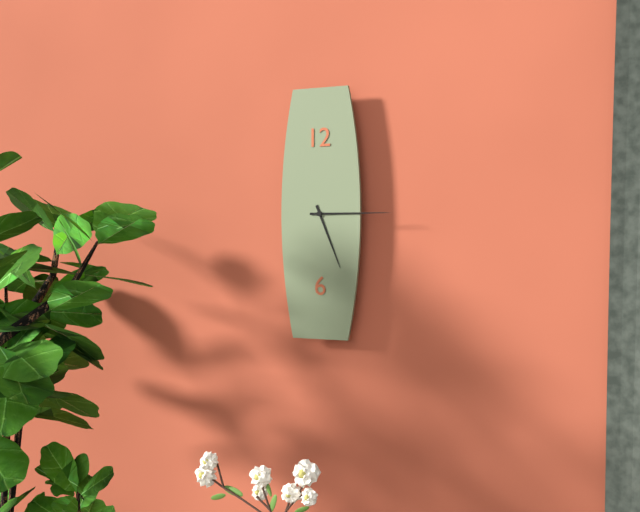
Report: 5:15
